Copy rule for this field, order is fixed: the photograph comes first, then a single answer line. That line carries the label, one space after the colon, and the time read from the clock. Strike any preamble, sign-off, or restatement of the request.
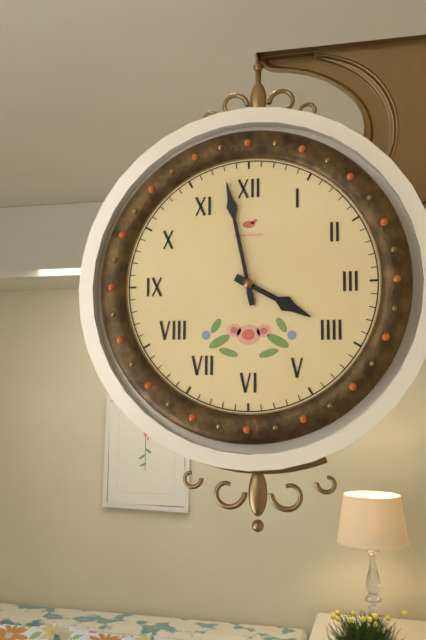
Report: 3:58
